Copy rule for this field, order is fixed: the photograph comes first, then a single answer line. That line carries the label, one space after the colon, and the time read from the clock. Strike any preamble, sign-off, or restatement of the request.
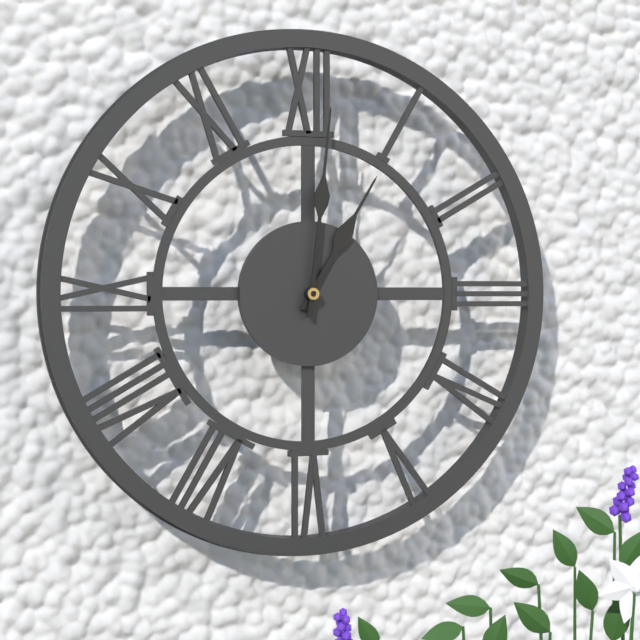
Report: 1:01
